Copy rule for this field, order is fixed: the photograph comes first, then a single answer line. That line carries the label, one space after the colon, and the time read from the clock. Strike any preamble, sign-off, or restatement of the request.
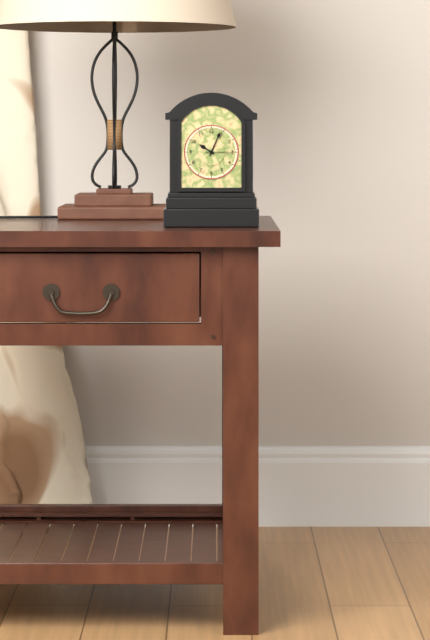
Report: 10:04
